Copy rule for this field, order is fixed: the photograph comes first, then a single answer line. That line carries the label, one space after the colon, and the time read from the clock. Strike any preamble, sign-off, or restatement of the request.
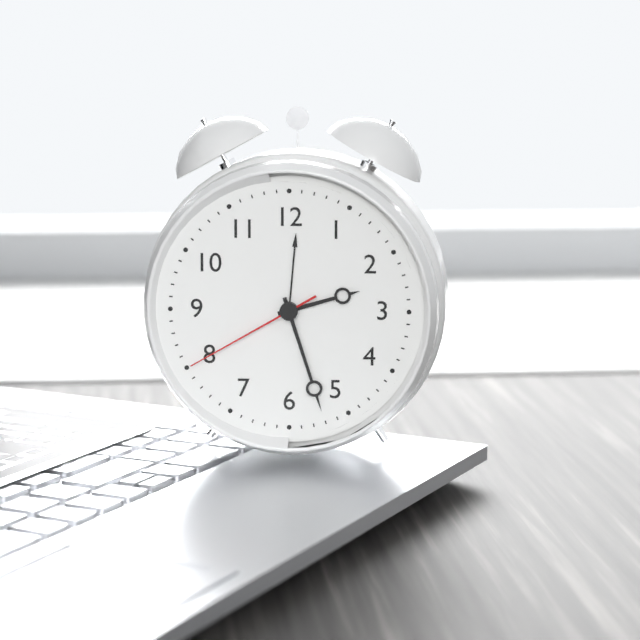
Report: 2:27:40
